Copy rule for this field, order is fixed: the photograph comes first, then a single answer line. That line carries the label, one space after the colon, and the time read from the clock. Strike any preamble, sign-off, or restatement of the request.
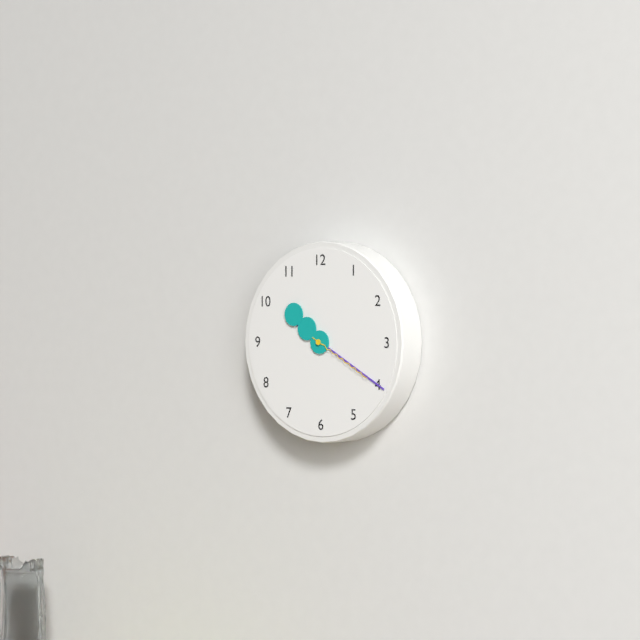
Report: 10:20:20
